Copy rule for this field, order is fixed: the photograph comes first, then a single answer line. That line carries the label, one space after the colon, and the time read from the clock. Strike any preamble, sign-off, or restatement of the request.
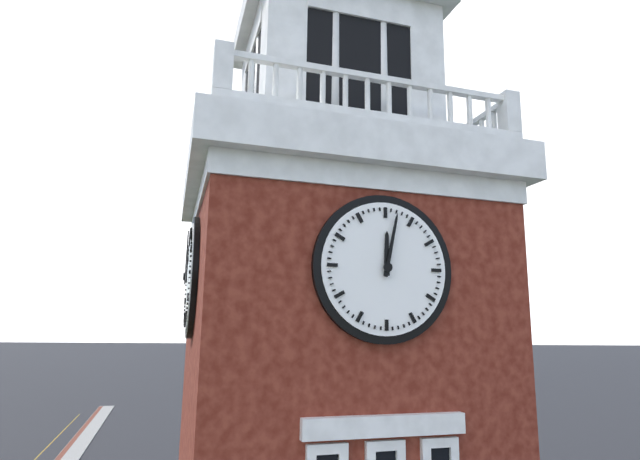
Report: 12:02
